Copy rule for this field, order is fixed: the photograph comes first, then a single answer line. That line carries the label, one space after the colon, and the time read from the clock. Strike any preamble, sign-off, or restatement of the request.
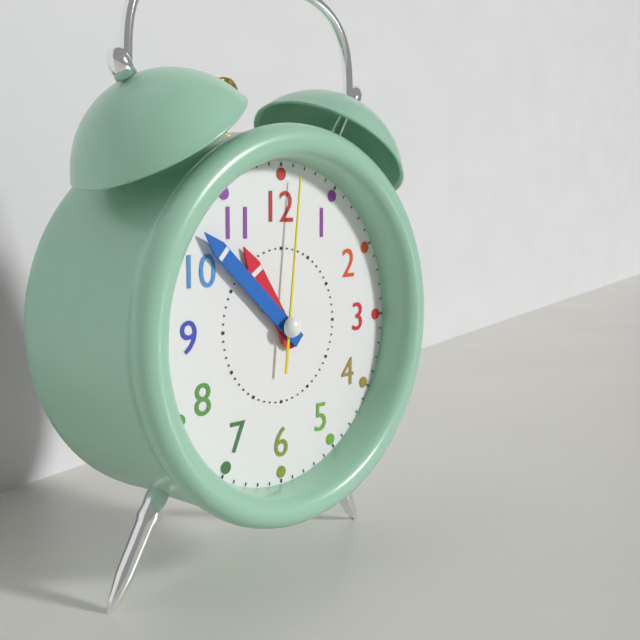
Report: 10:52:01
